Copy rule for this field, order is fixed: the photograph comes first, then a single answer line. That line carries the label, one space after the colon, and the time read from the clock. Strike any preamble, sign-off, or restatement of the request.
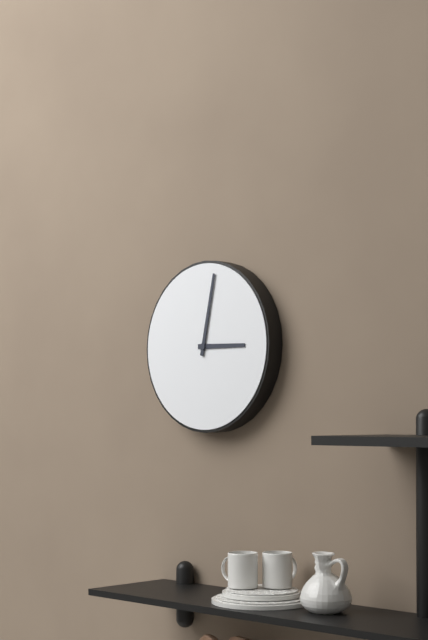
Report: 3:02
